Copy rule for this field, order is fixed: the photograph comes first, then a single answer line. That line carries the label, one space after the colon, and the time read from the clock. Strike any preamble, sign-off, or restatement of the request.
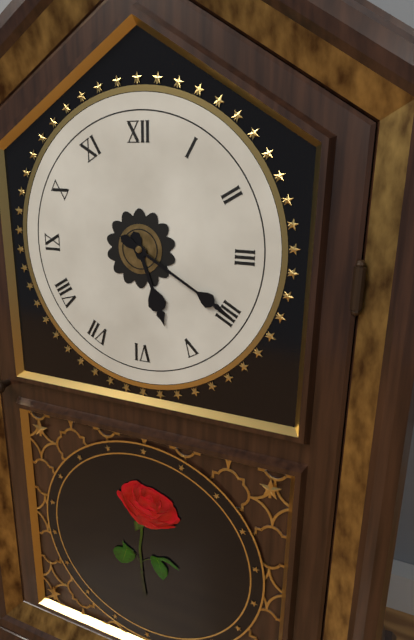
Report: 5:20
